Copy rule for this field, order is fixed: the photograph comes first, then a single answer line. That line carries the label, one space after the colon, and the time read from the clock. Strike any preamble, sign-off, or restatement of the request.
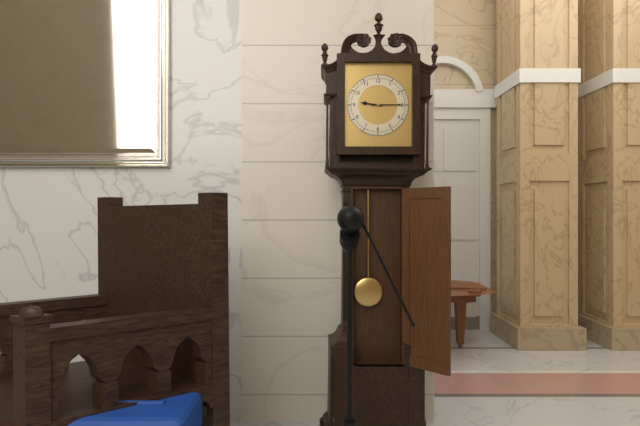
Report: 9:15
